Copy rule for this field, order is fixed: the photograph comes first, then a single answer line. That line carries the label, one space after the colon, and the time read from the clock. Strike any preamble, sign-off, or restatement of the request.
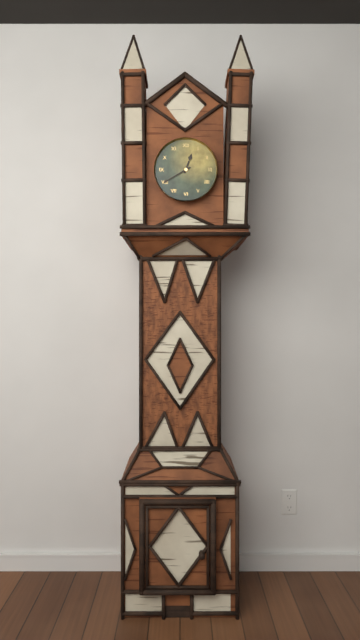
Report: 12:40
